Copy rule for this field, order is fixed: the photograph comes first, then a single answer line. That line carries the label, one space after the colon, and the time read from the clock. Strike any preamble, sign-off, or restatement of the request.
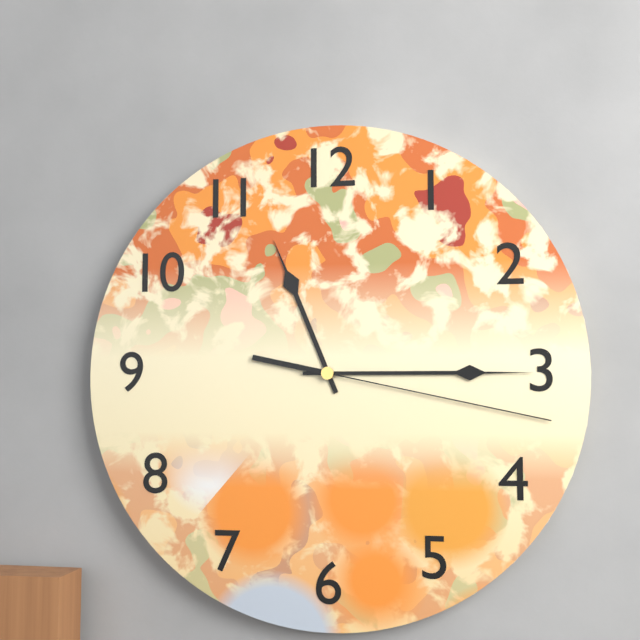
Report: 11:15:17
